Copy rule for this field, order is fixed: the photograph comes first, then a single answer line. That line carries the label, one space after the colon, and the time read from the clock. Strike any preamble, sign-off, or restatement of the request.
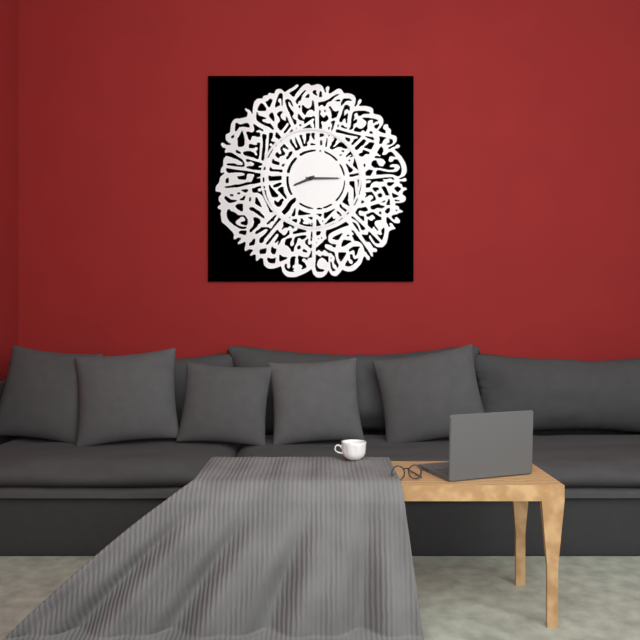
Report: 8:15
